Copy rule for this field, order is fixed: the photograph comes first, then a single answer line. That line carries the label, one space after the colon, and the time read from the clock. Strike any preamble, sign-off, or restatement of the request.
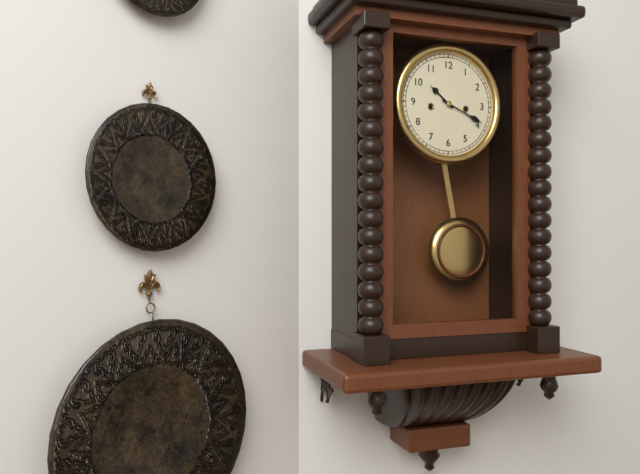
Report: 10:19
